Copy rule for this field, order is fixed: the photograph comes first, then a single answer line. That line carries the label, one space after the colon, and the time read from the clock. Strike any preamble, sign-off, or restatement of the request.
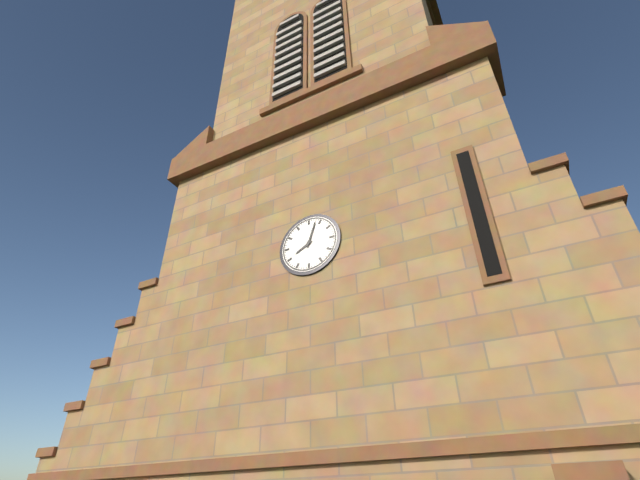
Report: 8:03
